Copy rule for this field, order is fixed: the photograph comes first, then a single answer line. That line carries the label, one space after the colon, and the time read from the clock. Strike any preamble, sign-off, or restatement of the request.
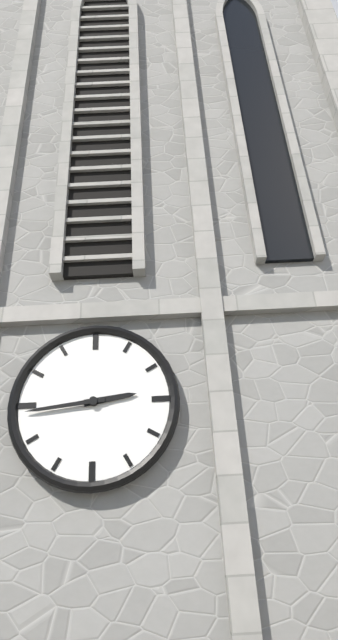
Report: 2:44
